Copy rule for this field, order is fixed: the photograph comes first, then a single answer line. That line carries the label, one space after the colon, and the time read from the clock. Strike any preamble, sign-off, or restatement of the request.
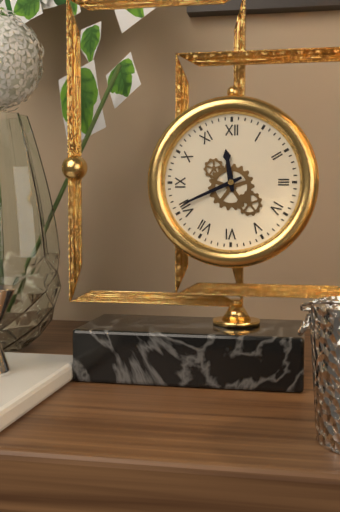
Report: 11:41
